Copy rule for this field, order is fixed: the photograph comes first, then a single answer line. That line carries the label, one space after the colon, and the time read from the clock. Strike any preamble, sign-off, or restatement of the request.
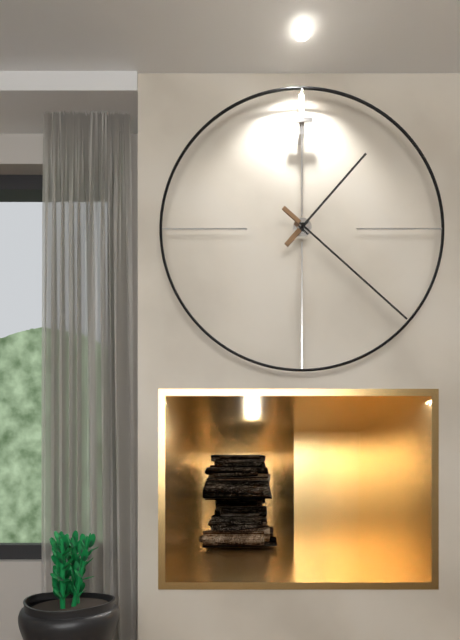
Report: 1:22
